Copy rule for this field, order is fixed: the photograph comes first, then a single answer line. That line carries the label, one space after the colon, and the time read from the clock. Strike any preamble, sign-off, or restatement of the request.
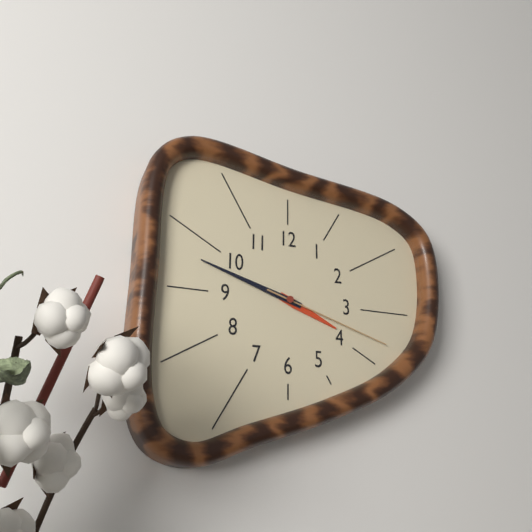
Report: 3:48:18
